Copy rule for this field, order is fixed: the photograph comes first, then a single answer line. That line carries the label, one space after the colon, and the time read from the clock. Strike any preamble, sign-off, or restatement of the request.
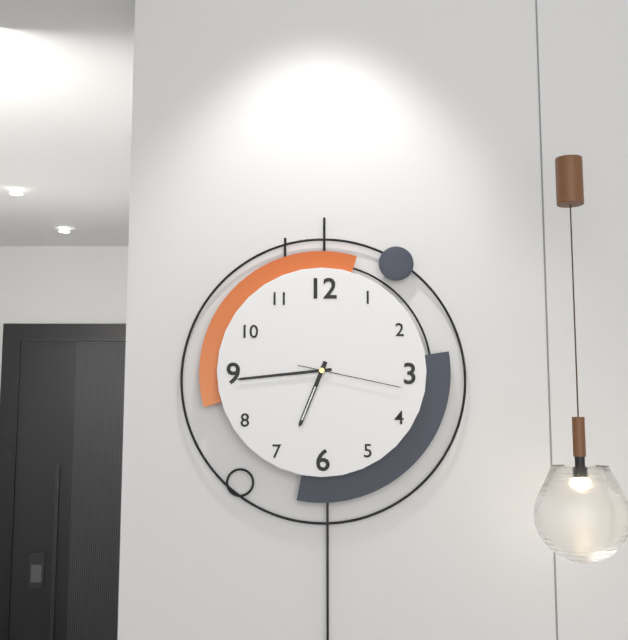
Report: 6:44:17
